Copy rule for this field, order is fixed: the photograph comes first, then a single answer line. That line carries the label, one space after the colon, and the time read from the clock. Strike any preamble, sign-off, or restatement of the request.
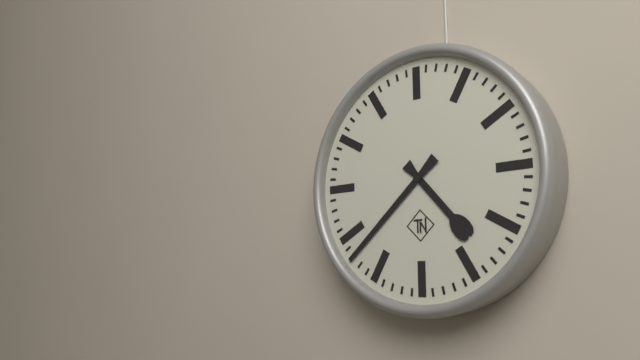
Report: 4:38
